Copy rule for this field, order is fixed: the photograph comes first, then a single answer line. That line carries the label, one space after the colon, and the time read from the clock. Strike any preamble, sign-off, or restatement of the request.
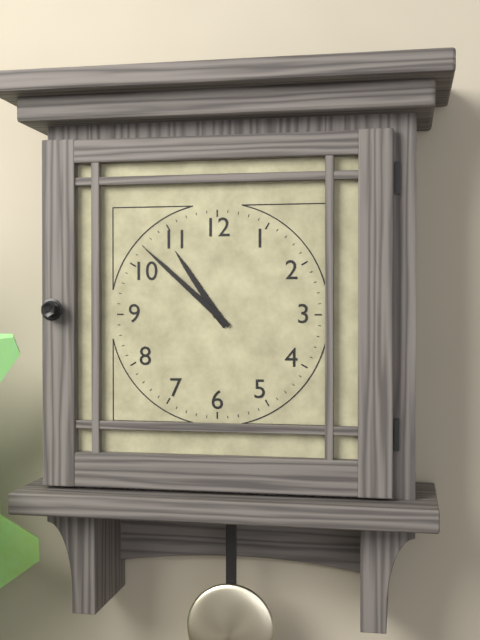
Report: 10:52
